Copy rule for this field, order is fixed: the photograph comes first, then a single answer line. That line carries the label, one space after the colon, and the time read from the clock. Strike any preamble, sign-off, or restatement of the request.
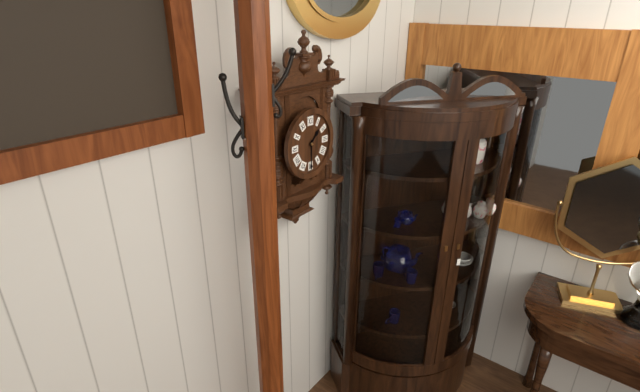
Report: 1:30
